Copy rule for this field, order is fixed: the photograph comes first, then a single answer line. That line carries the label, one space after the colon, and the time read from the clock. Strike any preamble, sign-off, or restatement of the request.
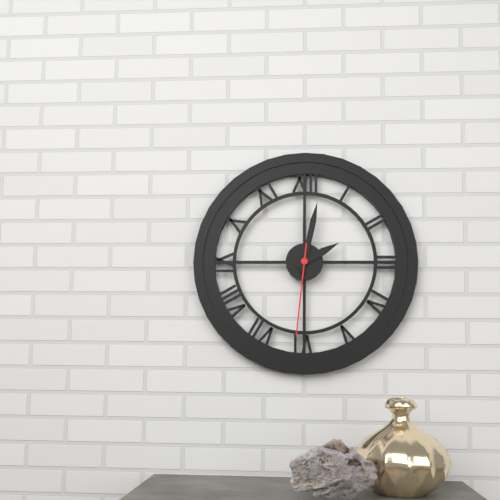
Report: 2:02:31
